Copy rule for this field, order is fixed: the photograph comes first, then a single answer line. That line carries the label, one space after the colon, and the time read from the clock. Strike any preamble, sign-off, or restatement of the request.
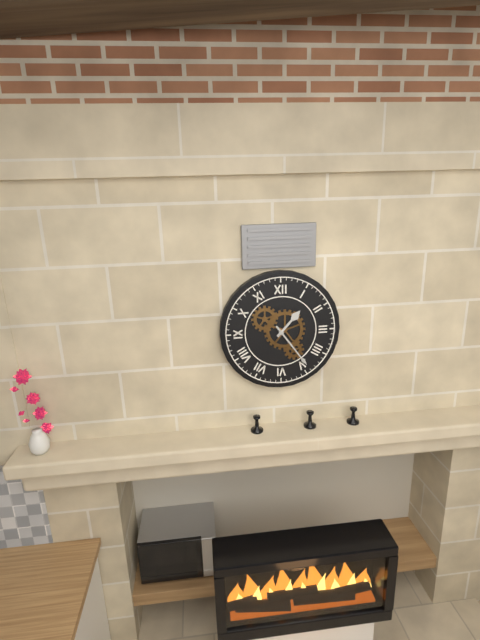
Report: 1:24
